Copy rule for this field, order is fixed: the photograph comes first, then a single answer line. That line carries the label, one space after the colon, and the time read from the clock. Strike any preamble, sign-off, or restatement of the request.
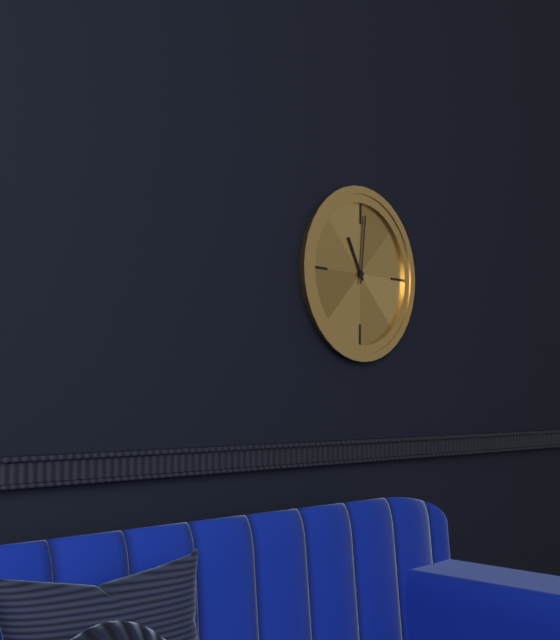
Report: 11:01
